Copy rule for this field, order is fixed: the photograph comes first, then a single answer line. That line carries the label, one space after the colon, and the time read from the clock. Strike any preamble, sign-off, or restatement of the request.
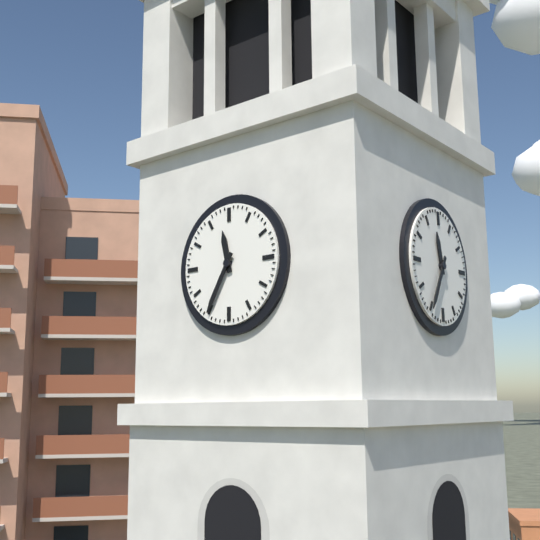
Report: 11:35
